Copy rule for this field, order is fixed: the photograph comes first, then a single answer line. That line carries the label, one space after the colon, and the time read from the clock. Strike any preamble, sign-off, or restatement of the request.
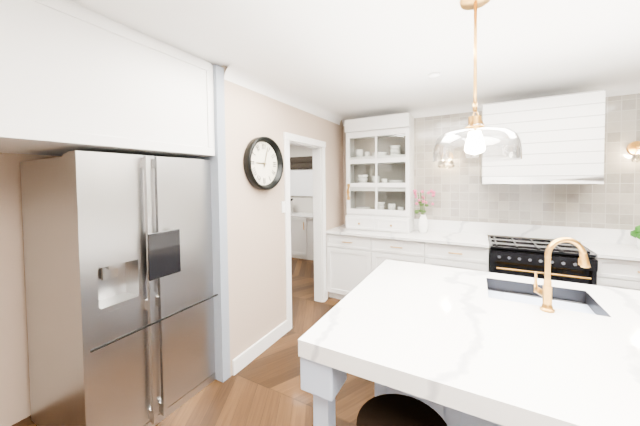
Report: 9:03
